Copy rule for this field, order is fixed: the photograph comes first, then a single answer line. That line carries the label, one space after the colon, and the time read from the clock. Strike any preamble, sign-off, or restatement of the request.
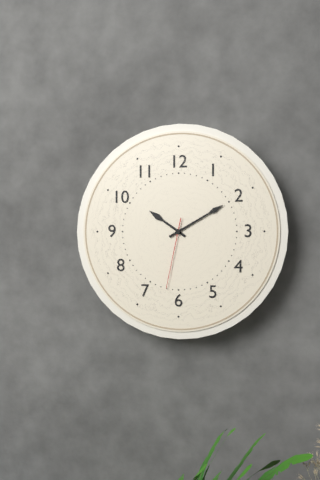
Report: 10:10:32
